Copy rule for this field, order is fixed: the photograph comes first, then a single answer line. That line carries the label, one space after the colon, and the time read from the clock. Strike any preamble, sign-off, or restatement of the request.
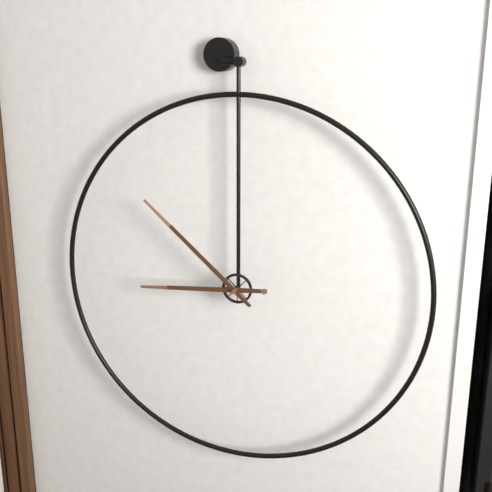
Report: 8:52
